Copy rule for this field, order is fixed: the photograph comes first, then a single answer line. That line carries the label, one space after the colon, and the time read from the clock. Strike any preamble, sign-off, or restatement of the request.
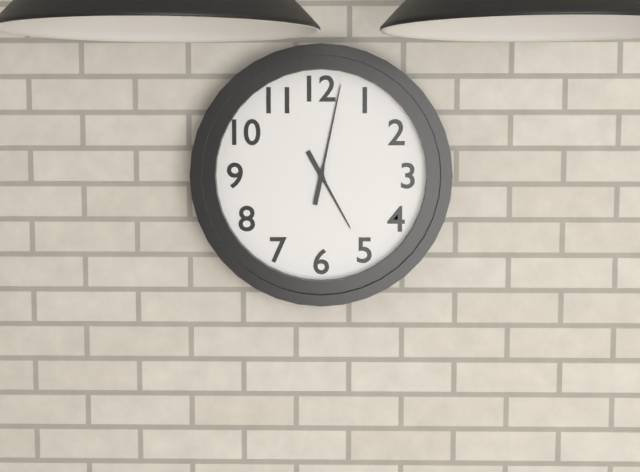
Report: 5:02
